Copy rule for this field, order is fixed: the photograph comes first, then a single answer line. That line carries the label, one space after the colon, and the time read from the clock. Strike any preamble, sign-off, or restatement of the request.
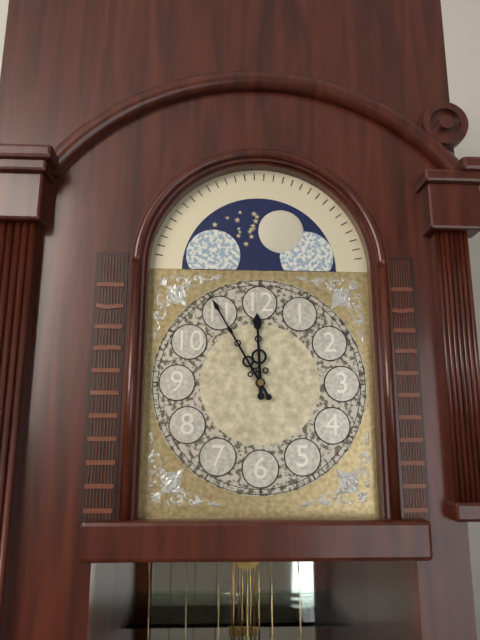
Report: 11:55
